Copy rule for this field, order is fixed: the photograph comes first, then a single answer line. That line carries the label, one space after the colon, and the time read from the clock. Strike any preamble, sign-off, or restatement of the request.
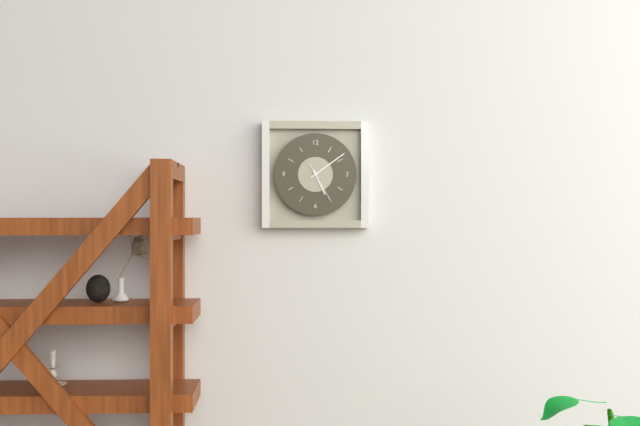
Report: 5:09
